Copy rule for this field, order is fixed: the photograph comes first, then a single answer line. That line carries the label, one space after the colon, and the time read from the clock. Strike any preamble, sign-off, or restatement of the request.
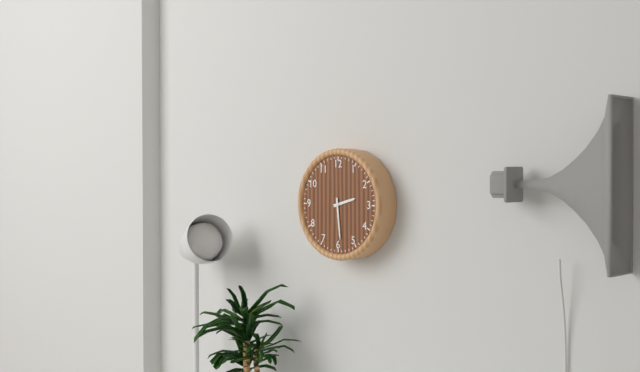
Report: 2:29
